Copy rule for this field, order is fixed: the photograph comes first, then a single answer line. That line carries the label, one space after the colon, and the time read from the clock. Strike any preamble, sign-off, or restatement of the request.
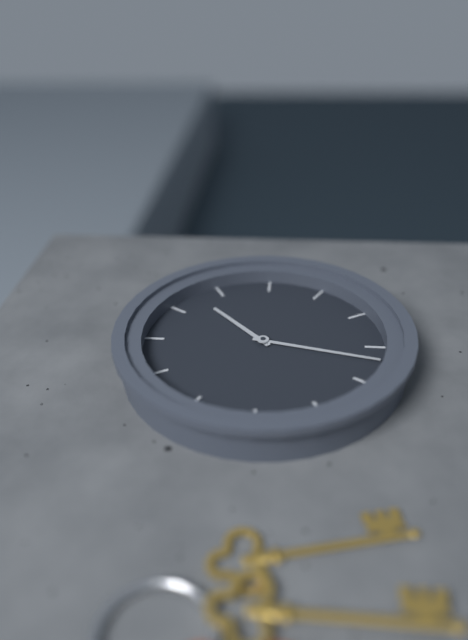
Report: 1:32
